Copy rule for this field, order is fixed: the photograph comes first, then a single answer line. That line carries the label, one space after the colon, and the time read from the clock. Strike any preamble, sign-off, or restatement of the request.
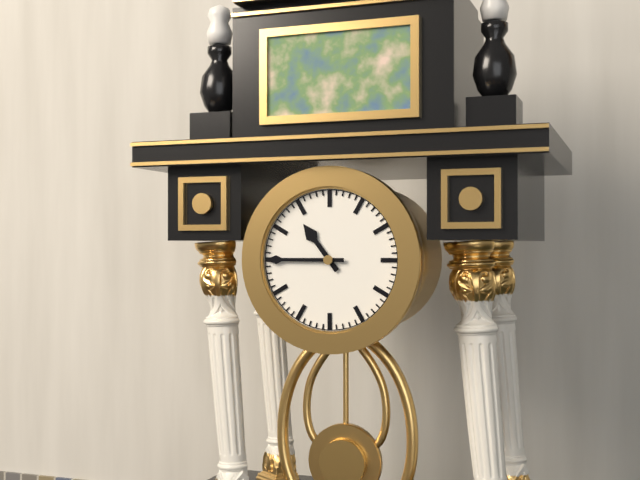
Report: 10:45
